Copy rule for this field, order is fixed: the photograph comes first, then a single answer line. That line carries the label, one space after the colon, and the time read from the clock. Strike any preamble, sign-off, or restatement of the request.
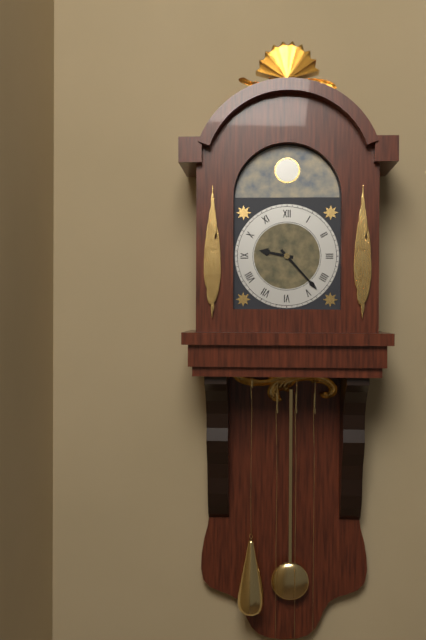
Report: 9:23
